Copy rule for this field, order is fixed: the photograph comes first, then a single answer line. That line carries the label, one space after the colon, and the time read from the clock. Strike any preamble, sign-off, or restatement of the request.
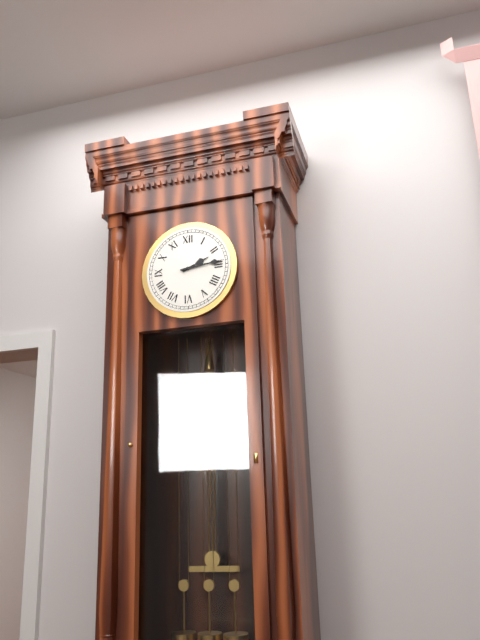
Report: 2:14
